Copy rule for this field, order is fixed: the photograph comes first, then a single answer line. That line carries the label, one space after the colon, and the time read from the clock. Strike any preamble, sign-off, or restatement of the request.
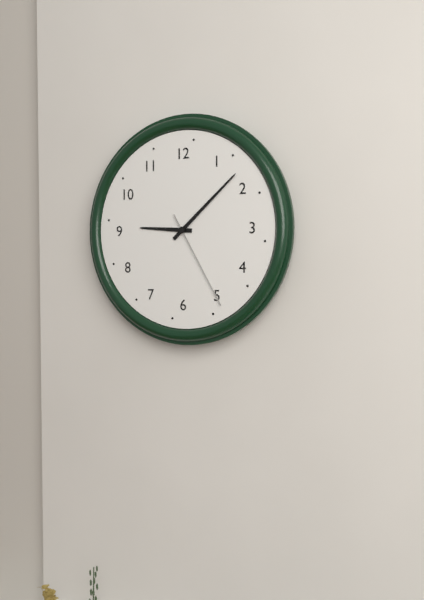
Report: 9:08:25
